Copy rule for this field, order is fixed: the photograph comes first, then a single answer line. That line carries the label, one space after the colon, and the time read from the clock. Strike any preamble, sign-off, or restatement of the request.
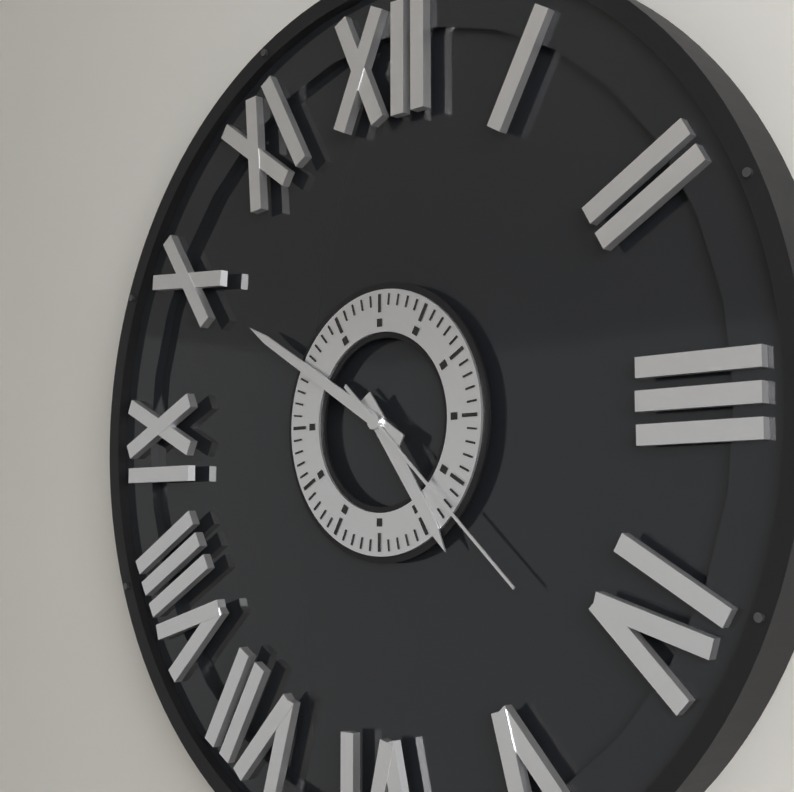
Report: 4:50:22
